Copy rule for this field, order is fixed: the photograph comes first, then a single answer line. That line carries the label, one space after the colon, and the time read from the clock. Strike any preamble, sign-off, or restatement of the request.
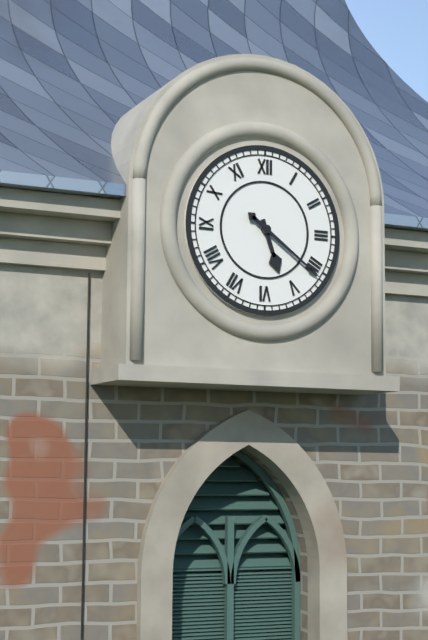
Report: 5:21
